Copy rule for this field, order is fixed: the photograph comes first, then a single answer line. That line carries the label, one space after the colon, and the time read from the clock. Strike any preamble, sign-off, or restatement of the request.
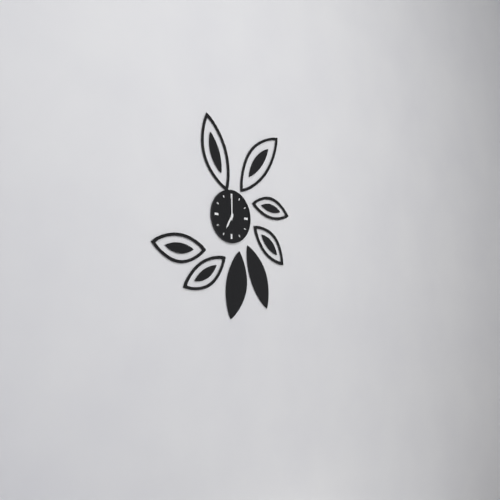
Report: 7:00
